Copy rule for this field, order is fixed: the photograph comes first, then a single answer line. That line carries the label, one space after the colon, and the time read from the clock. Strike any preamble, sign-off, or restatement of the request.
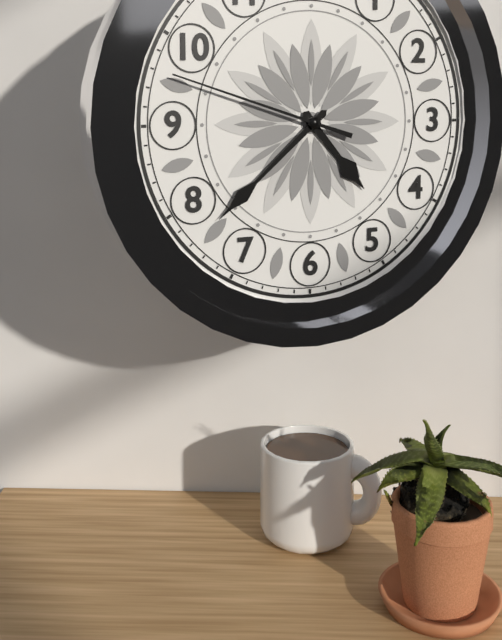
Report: 4:38:48
